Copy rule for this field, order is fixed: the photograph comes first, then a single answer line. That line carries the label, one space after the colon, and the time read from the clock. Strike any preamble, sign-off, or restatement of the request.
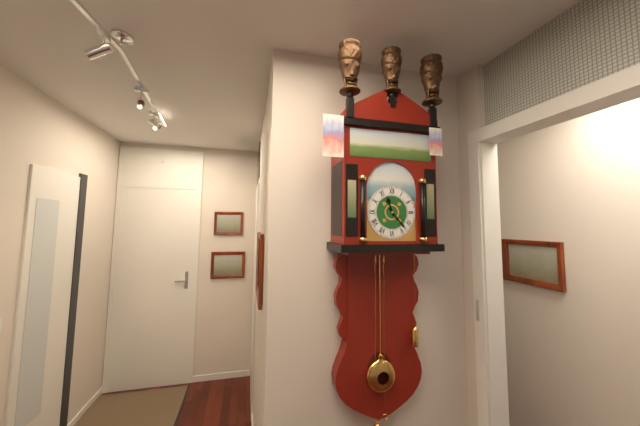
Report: 11:23
